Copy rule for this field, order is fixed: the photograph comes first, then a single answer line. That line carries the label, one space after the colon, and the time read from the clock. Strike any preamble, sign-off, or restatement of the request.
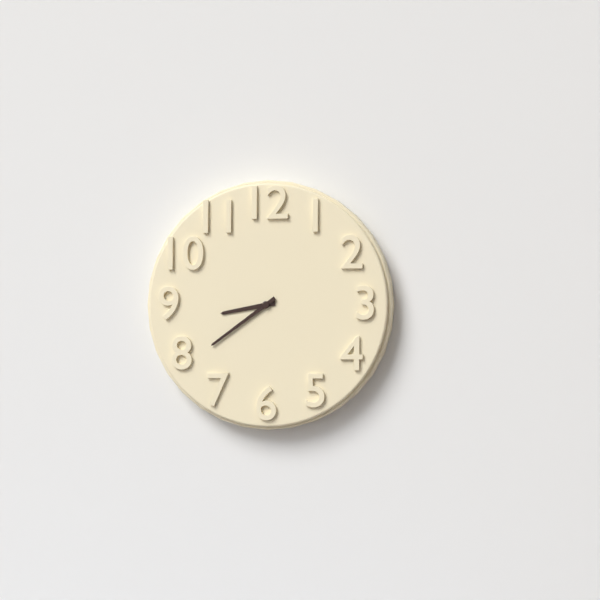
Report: 8:39
